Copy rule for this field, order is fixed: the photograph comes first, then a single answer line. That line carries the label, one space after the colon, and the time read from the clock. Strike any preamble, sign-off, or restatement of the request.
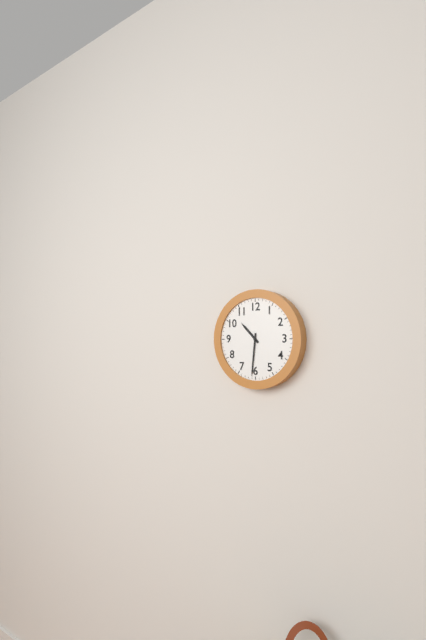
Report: 10:31
